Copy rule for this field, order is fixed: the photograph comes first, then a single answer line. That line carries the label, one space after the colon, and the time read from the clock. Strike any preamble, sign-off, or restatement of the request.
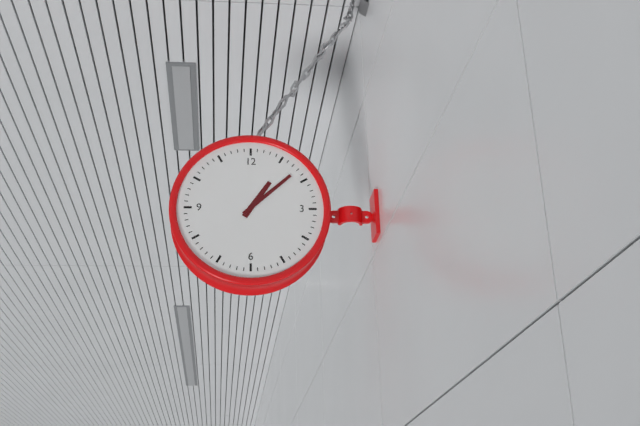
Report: 1:08
